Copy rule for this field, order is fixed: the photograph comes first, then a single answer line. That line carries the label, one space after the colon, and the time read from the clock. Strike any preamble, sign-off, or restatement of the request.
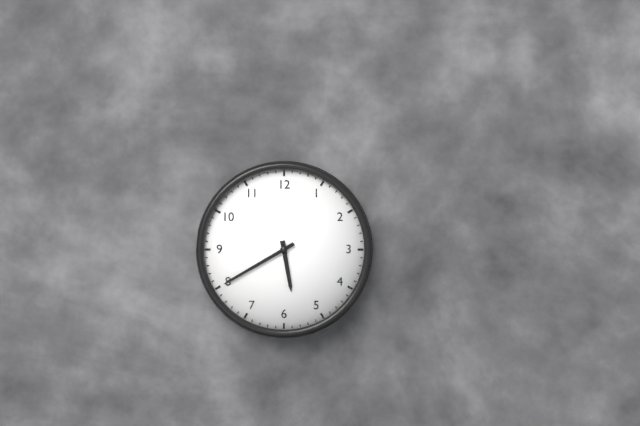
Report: 5:40
